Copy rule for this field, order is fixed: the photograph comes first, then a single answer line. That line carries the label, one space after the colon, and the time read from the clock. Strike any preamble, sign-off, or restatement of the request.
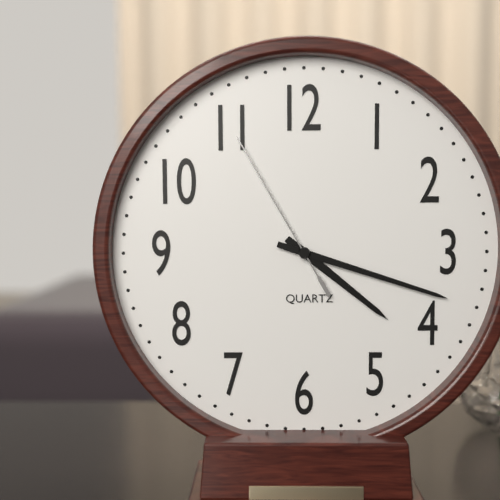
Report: 4:18:55
